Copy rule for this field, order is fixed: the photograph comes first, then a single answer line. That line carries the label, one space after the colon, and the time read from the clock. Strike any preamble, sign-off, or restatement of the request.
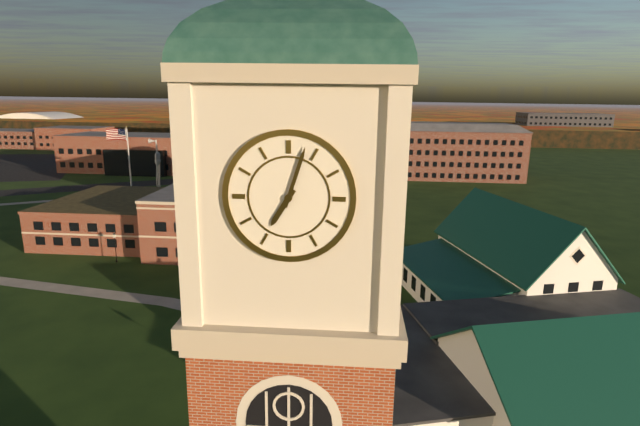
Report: 7:03
